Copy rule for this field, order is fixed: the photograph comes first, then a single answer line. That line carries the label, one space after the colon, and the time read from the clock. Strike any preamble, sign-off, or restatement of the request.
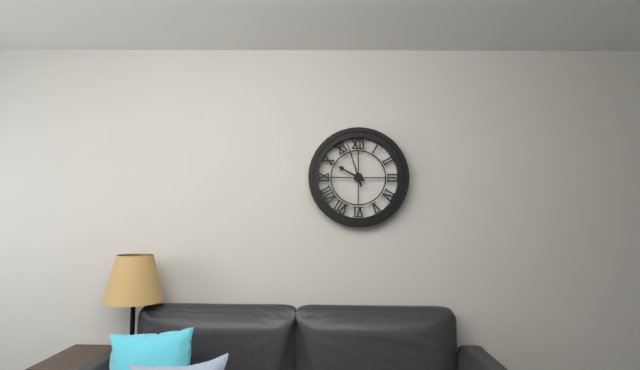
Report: 9:57
